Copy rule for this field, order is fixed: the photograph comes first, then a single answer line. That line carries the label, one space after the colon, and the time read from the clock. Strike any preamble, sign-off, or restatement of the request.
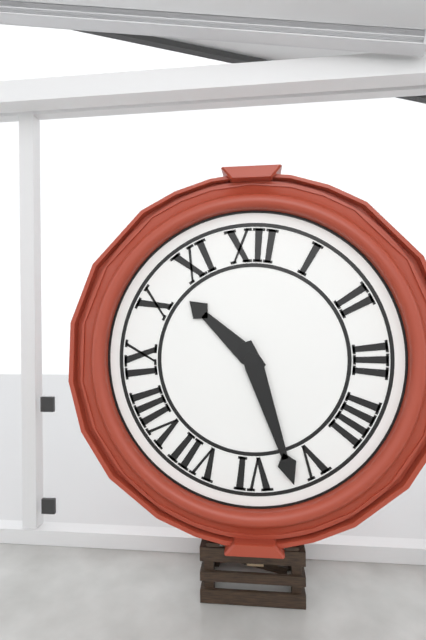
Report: 10:27
